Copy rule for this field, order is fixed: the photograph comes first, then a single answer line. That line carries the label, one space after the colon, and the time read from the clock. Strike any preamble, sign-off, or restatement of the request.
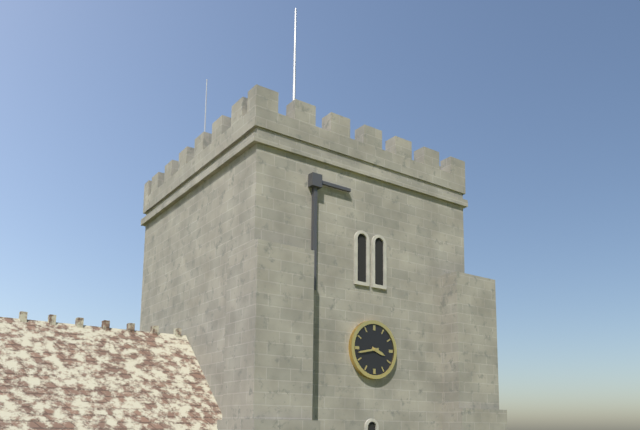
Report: 3:43
